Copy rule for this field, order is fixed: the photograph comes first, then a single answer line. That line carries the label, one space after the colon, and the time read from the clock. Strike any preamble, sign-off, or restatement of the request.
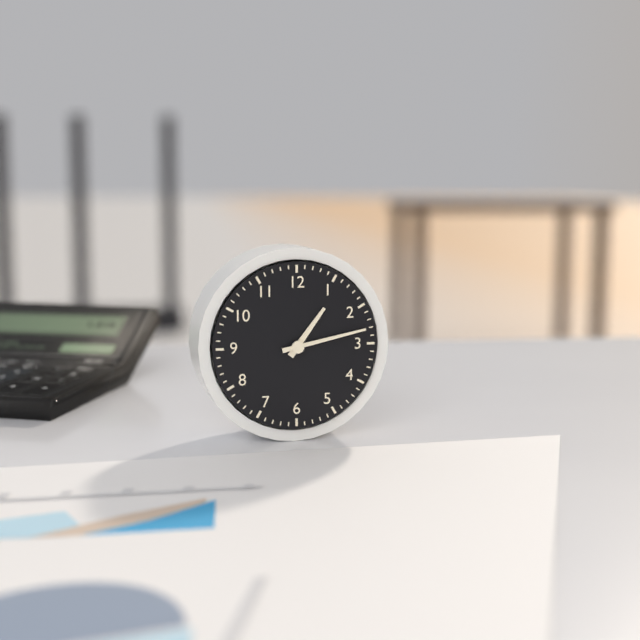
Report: 1:13
